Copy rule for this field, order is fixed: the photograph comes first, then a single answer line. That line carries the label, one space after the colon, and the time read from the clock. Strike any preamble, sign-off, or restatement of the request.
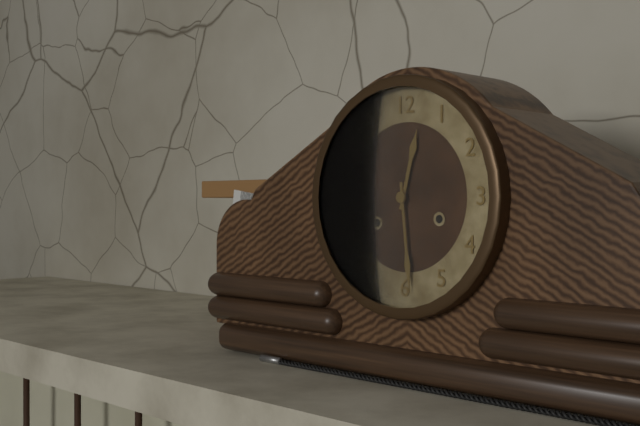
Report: 12:29
